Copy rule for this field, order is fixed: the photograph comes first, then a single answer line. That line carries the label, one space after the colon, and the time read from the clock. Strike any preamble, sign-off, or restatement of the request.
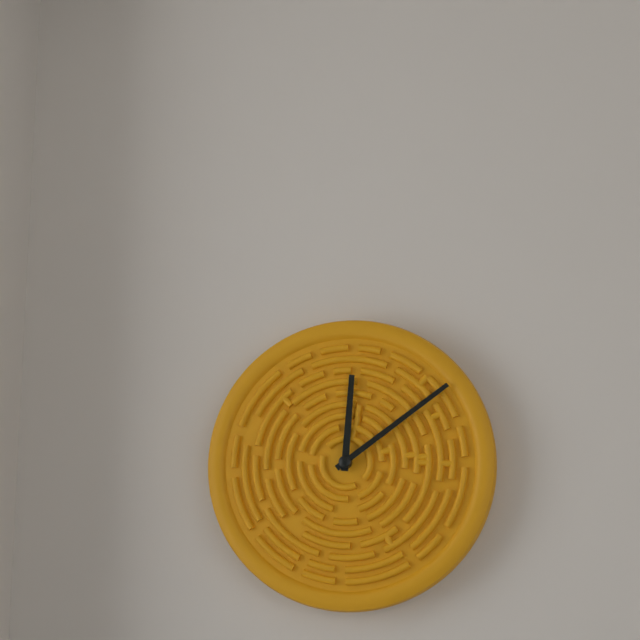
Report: 12:09
